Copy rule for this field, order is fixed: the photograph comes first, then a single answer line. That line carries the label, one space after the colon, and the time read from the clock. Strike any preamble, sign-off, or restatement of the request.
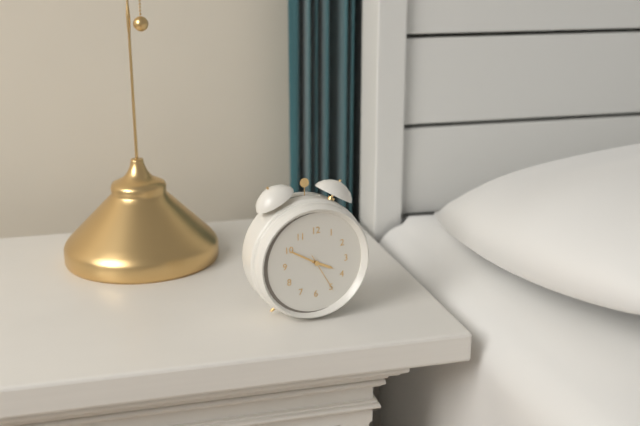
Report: 3:50
